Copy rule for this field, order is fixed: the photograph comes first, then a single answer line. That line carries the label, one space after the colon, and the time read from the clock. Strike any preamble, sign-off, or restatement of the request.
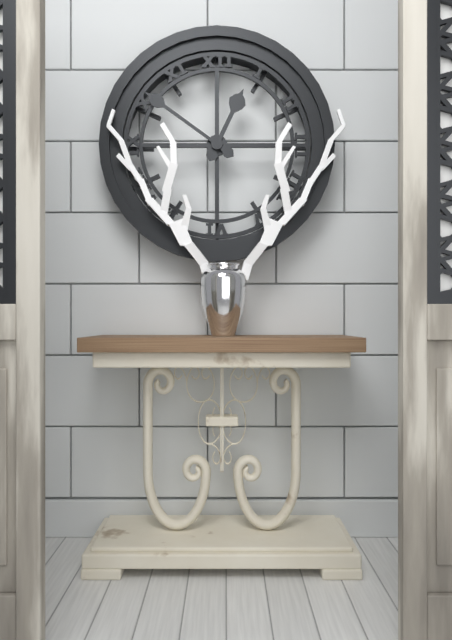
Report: 12:51
